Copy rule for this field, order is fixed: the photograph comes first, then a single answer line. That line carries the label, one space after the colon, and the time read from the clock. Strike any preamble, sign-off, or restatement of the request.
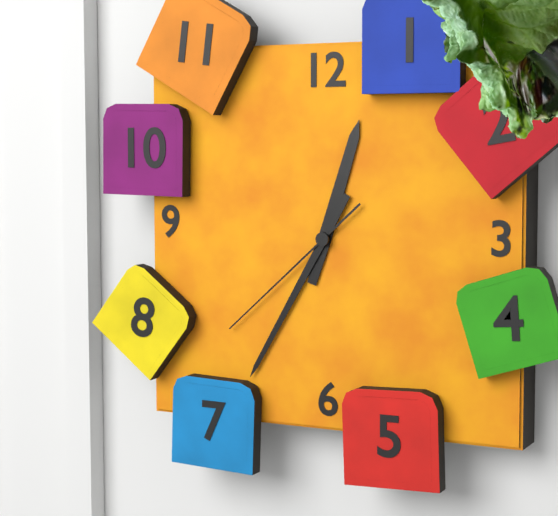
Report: 12:35:38
